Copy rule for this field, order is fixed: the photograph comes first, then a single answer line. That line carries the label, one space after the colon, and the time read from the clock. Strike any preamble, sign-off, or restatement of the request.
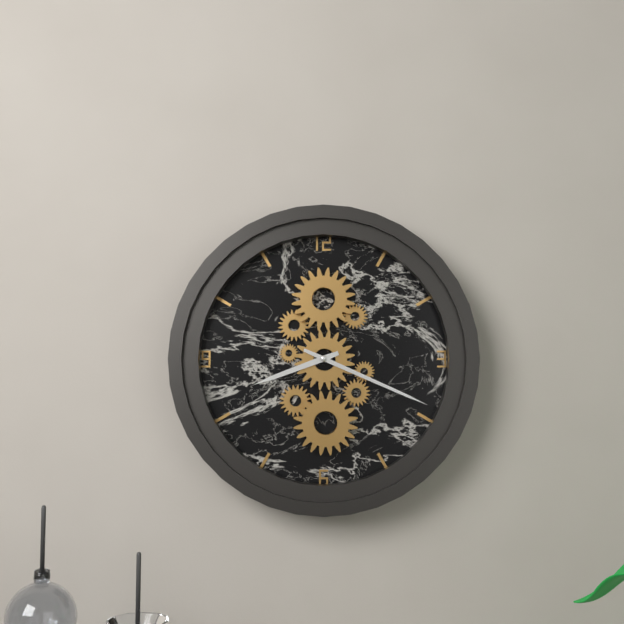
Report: 8:19
